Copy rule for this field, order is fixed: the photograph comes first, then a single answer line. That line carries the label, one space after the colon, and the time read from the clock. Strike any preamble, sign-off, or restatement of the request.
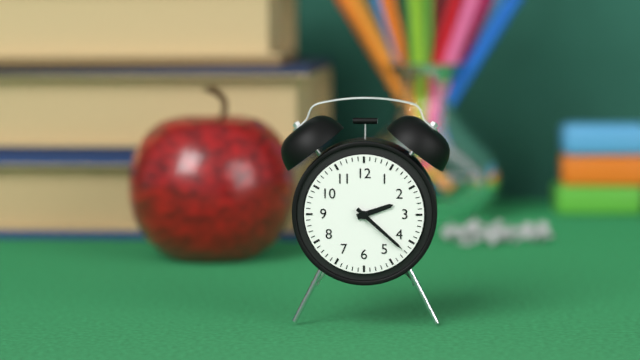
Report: 2:22
